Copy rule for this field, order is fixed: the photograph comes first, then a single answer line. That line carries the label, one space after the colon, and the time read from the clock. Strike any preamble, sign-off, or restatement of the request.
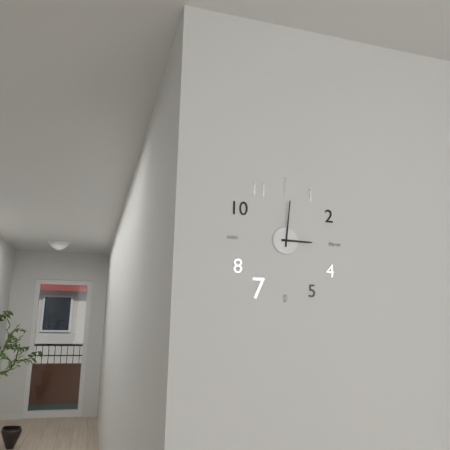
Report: 3:01
